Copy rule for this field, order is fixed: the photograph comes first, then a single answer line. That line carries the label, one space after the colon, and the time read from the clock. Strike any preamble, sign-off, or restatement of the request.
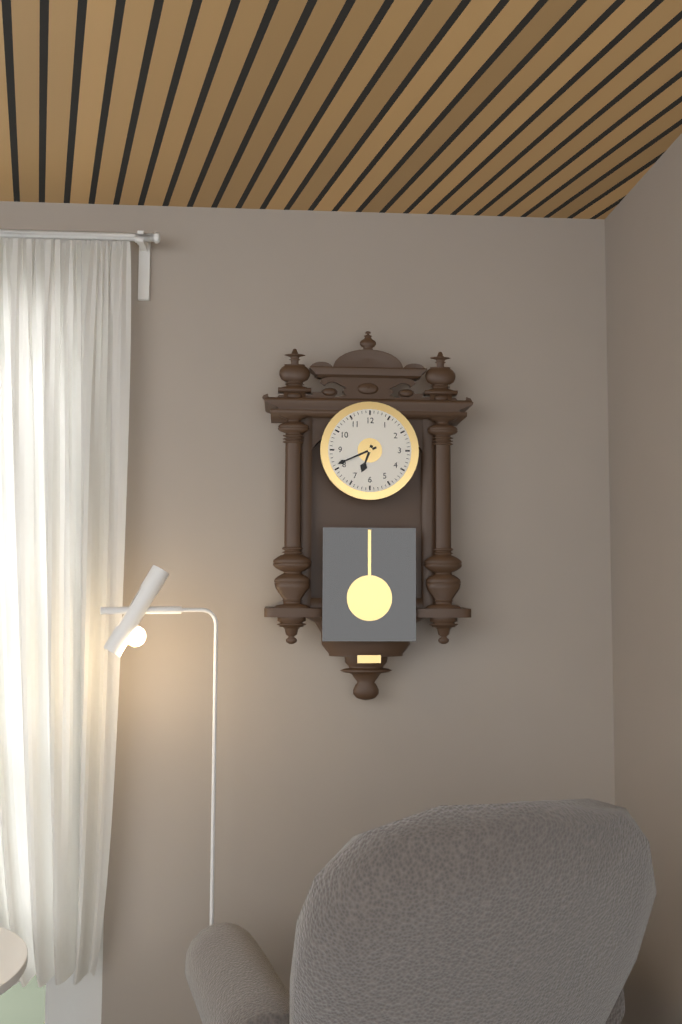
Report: 6:41
